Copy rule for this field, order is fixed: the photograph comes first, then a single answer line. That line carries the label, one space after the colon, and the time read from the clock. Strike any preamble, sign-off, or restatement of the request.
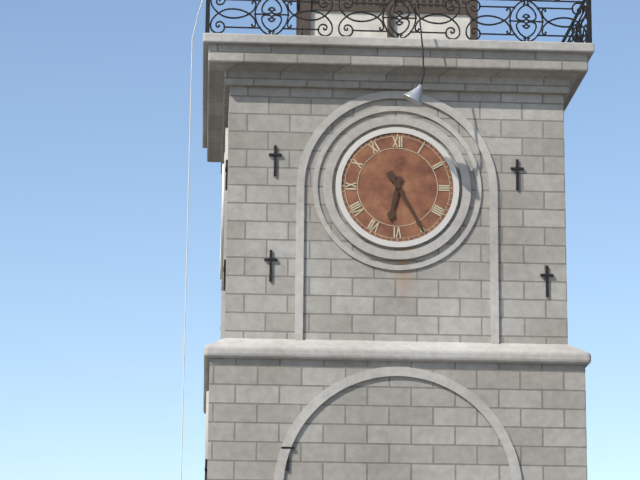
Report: 6:25
